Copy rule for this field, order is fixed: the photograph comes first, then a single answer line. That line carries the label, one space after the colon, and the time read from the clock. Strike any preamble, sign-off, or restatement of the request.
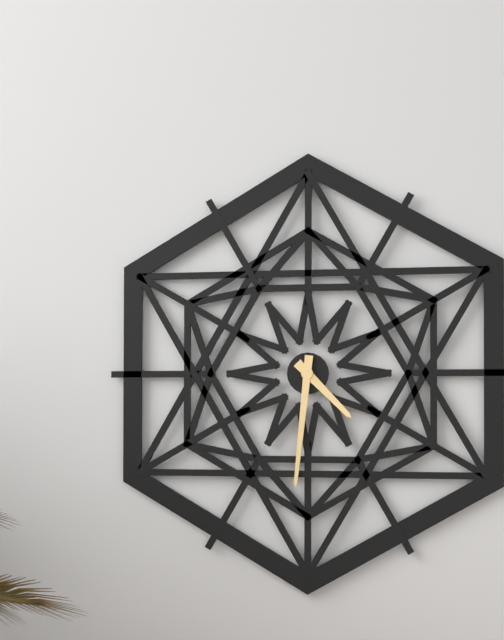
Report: 4:31
